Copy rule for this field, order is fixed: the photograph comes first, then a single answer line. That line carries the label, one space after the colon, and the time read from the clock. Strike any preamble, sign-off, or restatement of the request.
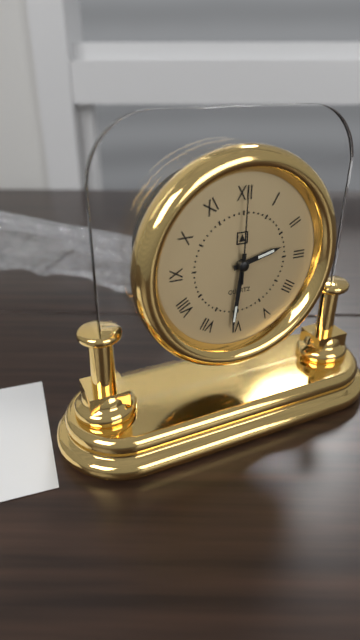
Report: 2:31:00
